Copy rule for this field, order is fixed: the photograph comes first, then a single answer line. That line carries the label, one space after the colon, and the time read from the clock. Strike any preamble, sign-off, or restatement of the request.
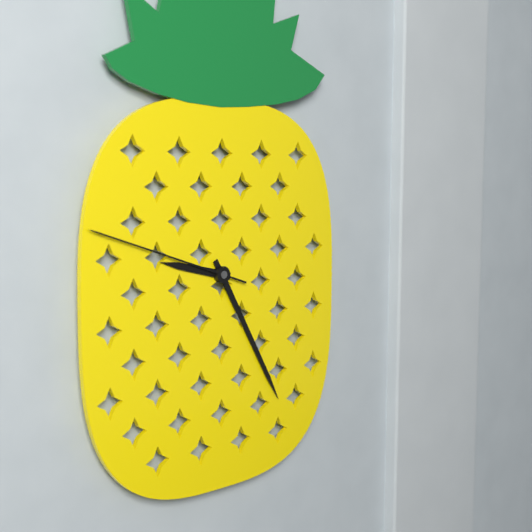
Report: 9:25:48
